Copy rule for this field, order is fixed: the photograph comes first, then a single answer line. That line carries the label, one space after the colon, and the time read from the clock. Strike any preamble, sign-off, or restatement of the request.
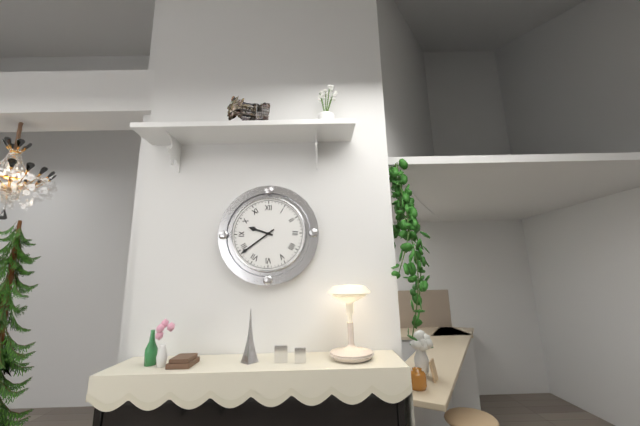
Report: 9:39
